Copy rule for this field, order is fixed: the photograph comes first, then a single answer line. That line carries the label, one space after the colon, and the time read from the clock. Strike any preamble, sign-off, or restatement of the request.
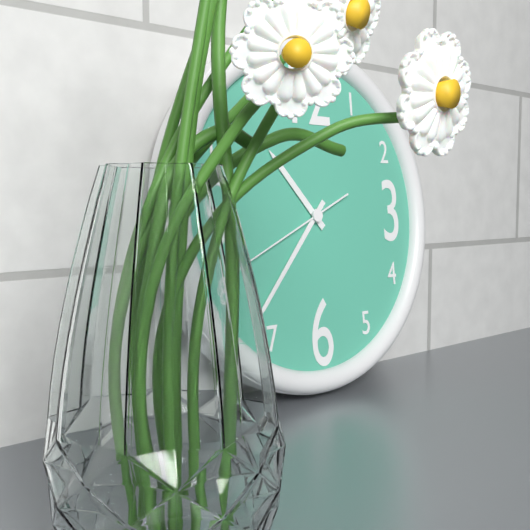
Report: 10:37:41
